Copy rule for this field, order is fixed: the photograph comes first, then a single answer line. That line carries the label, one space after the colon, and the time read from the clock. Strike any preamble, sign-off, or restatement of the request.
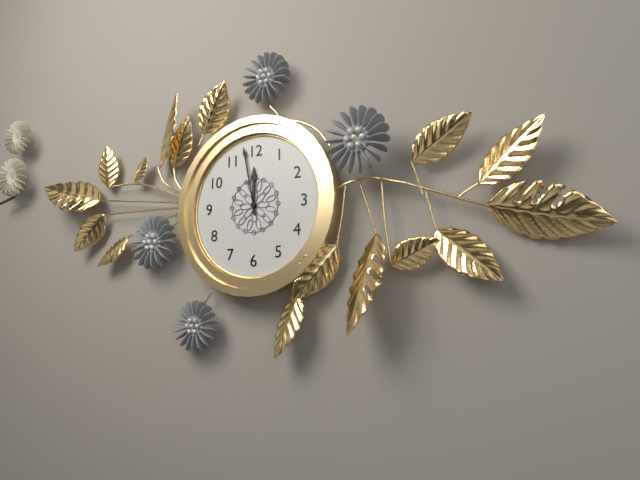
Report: 11:58
